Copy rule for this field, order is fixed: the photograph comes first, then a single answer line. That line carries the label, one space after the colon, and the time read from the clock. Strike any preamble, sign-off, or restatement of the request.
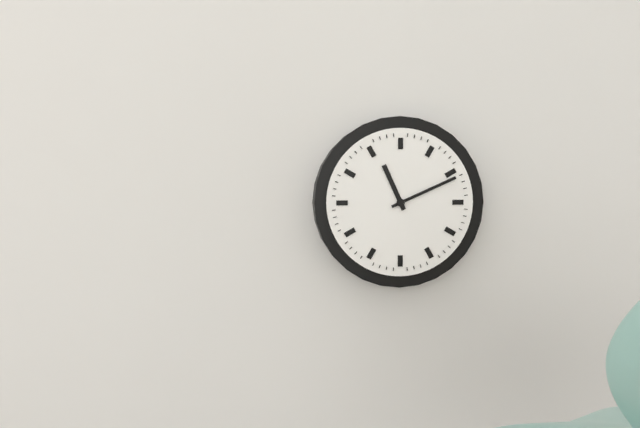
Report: 11:11
